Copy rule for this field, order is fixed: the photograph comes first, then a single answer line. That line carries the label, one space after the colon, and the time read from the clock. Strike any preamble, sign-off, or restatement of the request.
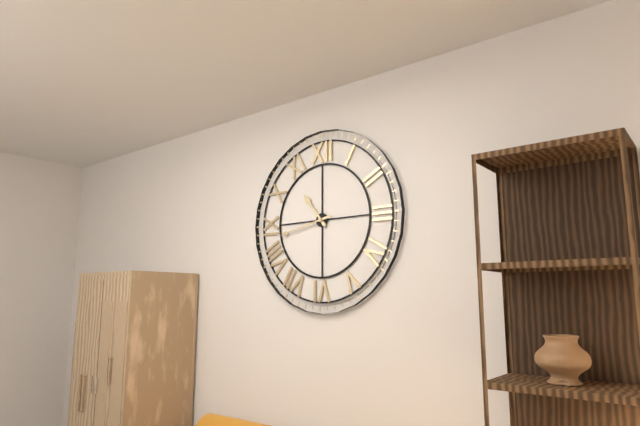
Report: 10:43
